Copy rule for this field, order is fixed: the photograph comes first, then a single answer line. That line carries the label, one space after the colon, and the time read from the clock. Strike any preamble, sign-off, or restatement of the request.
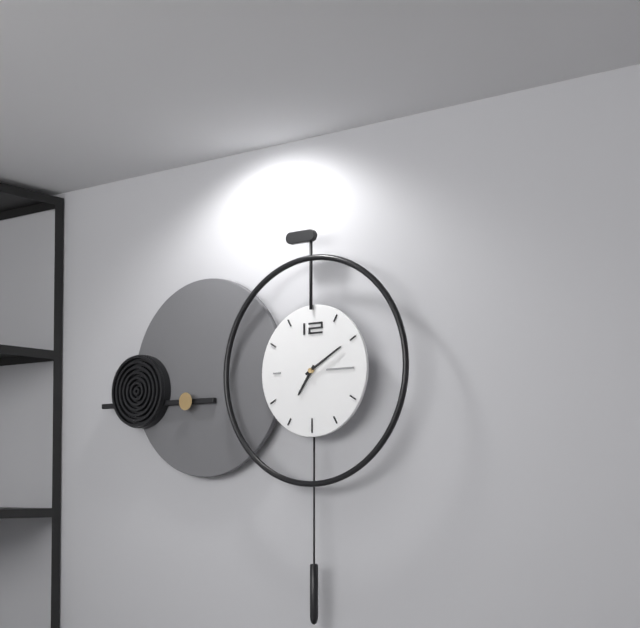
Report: 7:10
